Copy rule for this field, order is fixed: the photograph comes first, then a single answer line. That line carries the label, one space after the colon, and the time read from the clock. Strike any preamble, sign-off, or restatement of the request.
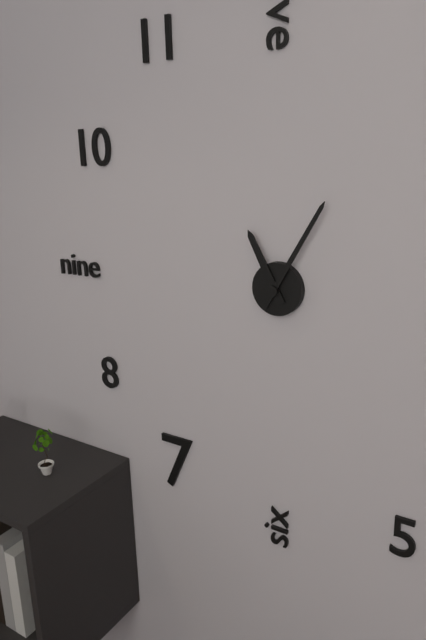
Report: 11:05
